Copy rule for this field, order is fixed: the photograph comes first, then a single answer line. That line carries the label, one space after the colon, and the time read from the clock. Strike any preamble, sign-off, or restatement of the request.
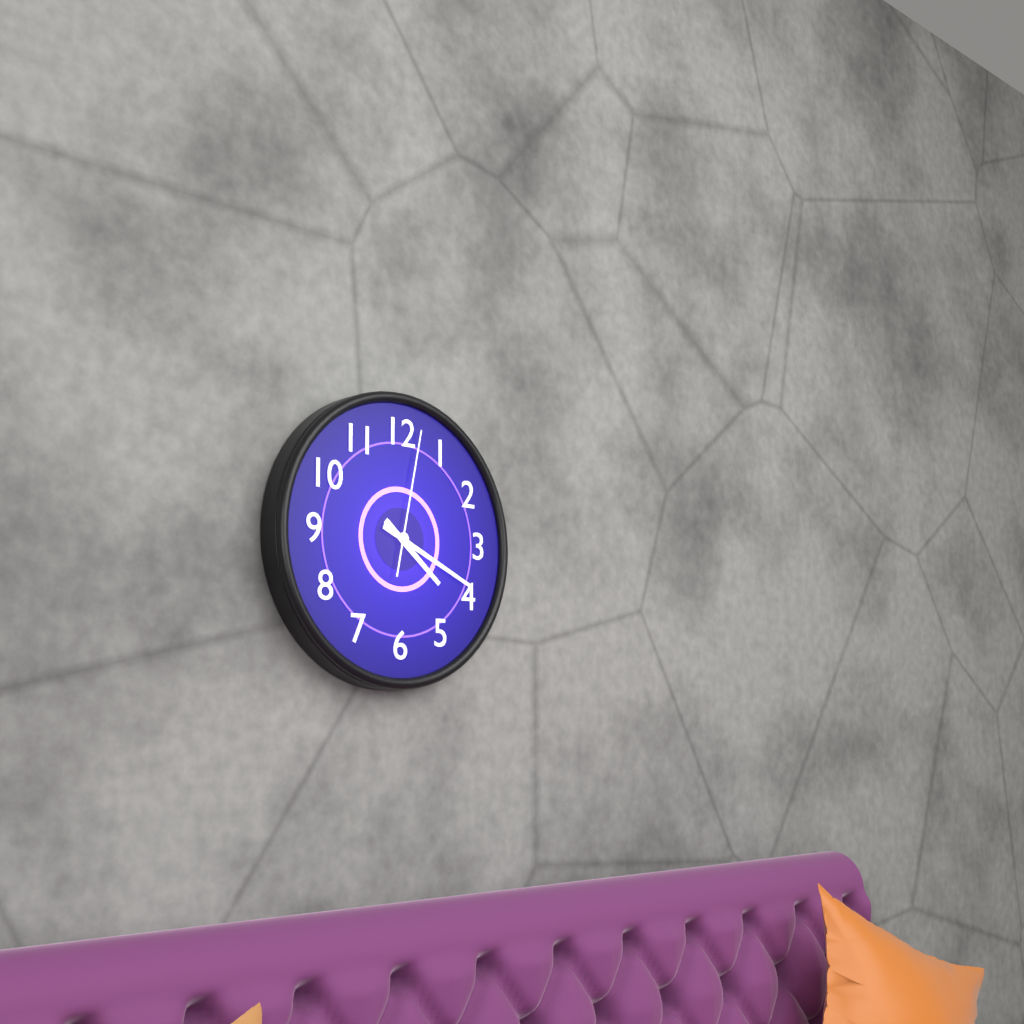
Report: 4:19:02
